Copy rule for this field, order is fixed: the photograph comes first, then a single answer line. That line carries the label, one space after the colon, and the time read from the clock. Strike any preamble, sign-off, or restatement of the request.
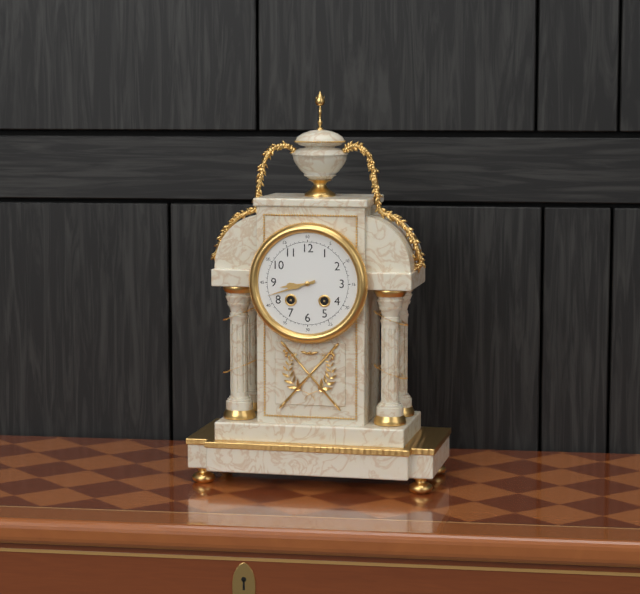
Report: 8:42
